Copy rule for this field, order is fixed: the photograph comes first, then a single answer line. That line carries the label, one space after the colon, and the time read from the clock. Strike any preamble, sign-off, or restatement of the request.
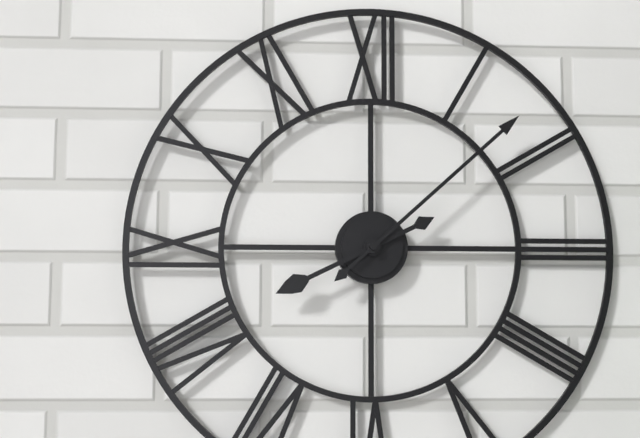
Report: 8:08
